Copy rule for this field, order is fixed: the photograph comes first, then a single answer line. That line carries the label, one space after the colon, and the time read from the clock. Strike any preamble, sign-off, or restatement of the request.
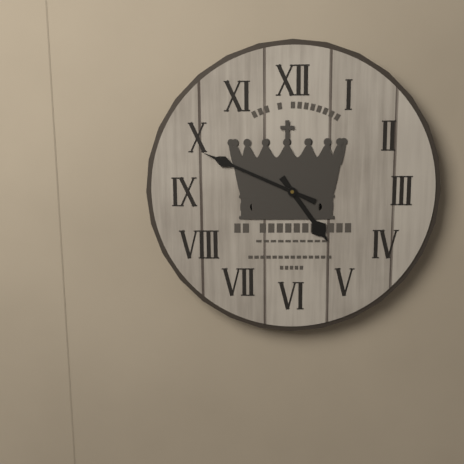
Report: 4:49
